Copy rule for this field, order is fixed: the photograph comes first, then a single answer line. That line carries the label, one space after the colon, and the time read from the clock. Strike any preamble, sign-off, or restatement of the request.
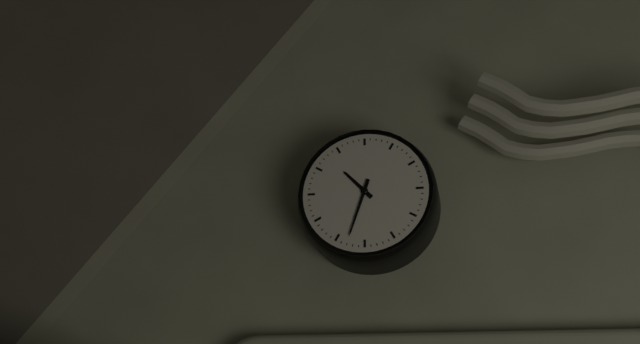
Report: 10:33
